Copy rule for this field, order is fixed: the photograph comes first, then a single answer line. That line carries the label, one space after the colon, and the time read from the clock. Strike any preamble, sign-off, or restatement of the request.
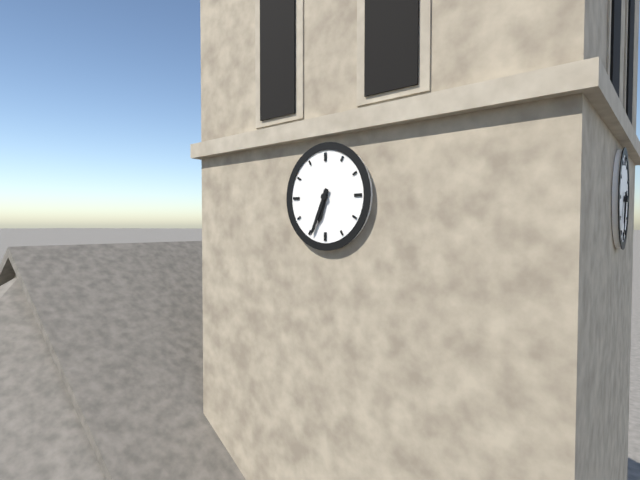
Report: 6:34
